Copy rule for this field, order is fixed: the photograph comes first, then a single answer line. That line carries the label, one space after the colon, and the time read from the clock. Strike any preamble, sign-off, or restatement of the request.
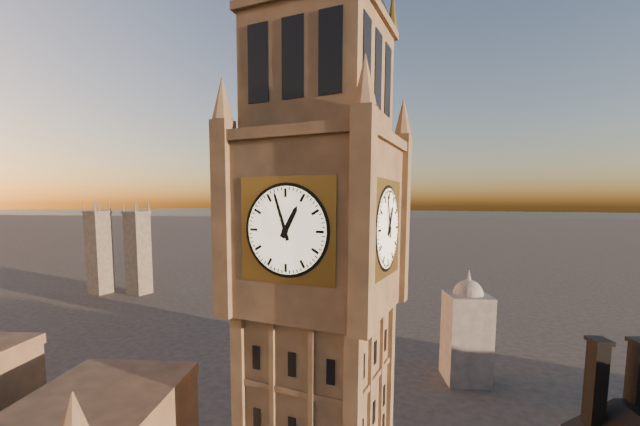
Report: 12:57
